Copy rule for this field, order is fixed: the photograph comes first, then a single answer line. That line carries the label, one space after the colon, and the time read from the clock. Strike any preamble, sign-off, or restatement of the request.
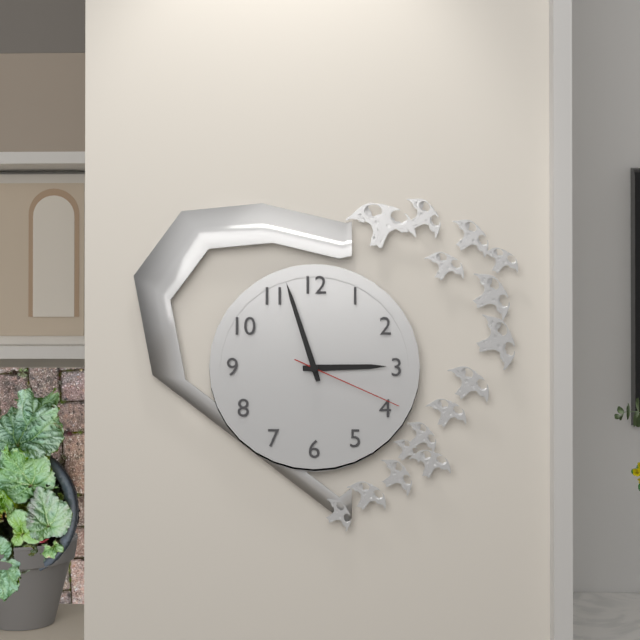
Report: 2:57:19
